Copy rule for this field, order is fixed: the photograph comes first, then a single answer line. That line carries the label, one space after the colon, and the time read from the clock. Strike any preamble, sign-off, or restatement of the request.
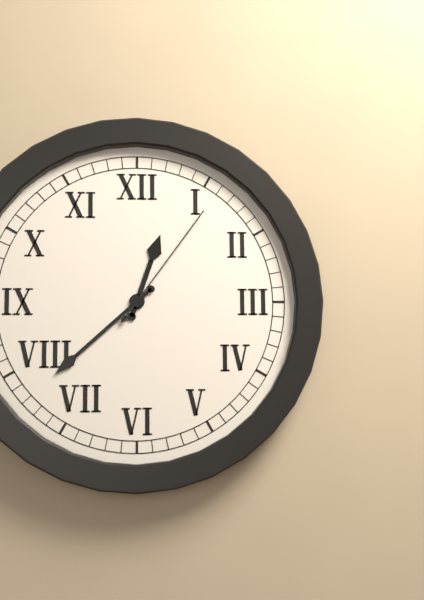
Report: 12:38:06
